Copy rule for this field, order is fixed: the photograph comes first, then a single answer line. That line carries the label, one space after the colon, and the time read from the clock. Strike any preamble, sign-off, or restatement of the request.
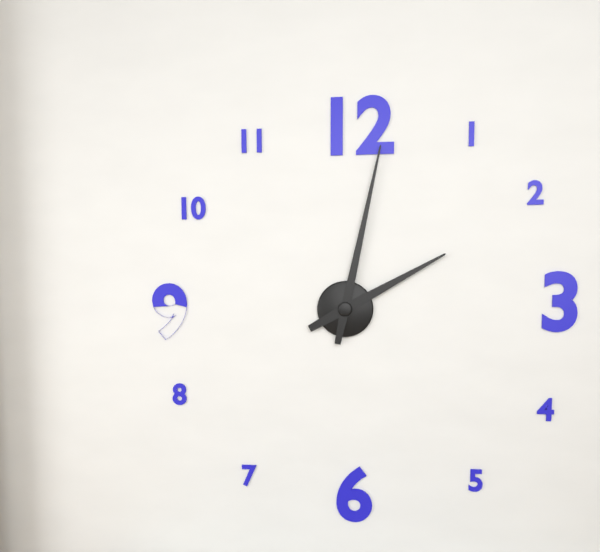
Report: 2:02
